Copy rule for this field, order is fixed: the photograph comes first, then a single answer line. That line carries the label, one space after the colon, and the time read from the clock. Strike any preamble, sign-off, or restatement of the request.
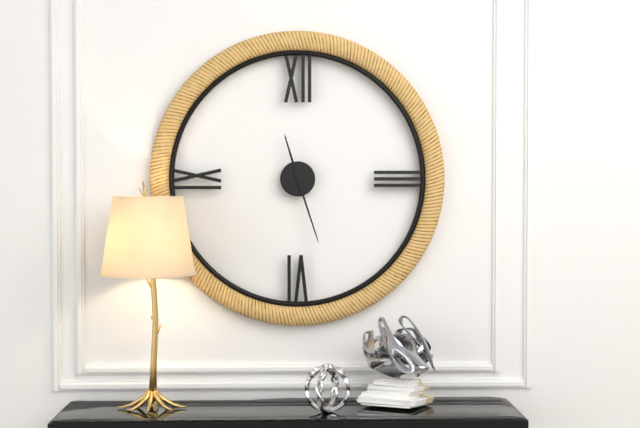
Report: 11:27
